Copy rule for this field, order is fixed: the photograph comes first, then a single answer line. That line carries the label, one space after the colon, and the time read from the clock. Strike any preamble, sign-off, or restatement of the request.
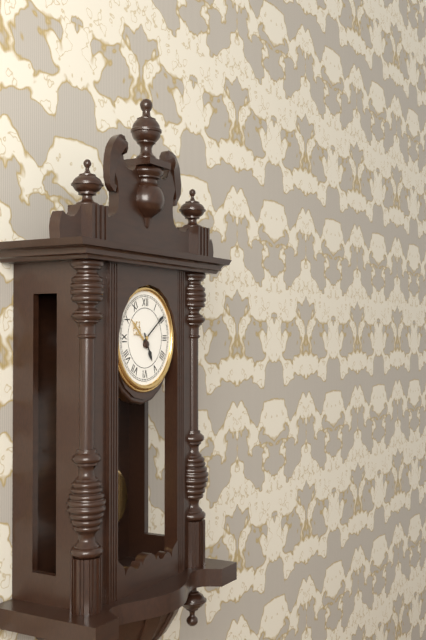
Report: 5:09
